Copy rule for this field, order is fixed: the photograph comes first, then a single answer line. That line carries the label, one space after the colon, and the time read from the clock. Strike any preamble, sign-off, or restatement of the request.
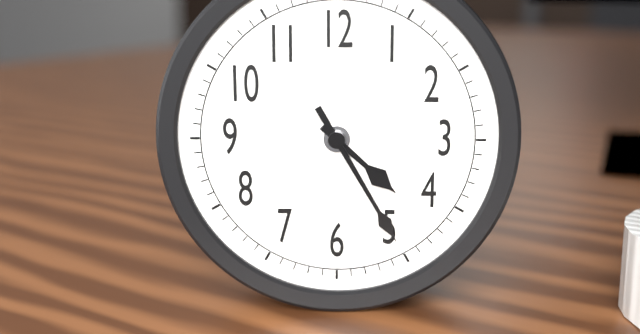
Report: 4:25
